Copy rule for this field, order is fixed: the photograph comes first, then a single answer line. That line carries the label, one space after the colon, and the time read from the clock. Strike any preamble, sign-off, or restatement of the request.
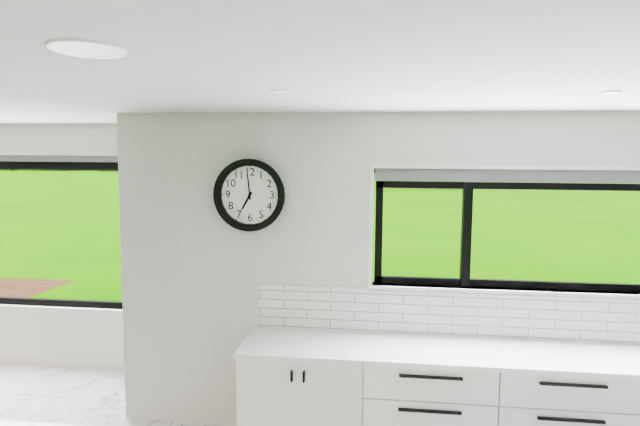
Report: 6:59
